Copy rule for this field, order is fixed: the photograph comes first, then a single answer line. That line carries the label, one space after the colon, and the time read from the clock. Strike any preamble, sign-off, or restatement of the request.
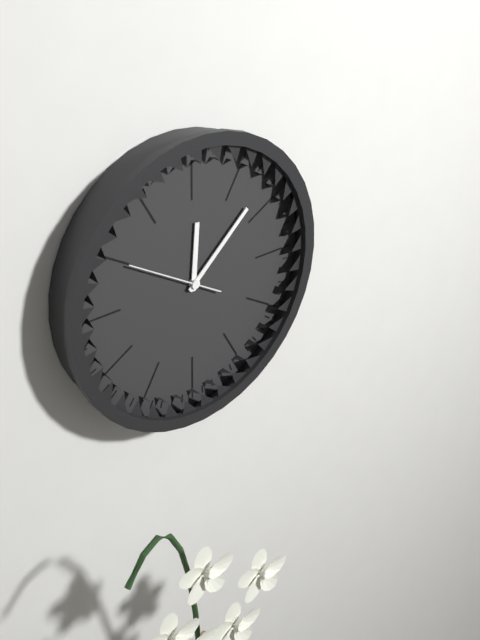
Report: 12:08:50
